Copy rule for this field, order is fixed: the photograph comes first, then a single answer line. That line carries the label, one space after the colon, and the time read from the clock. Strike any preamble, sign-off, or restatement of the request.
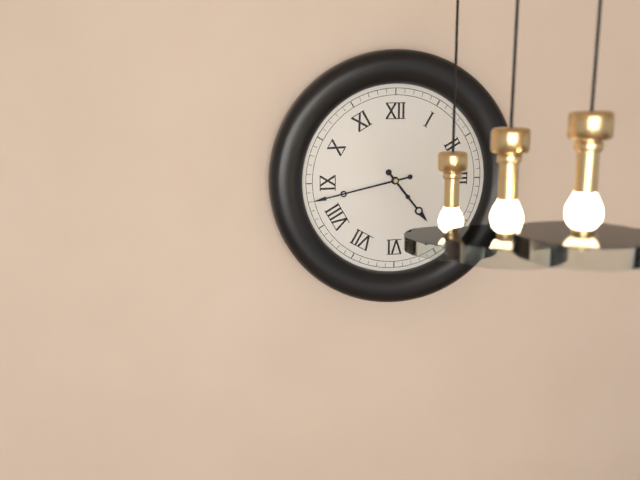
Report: 4:43
